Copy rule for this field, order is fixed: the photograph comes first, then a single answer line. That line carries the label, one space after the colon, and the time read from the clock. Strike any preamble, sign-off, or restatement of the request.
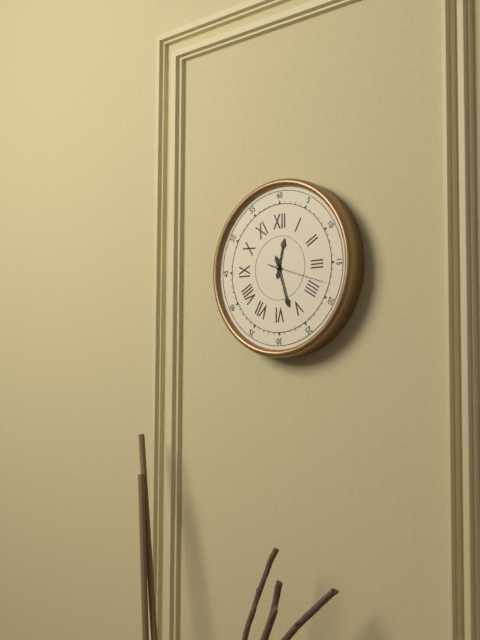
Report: 12:27:18
